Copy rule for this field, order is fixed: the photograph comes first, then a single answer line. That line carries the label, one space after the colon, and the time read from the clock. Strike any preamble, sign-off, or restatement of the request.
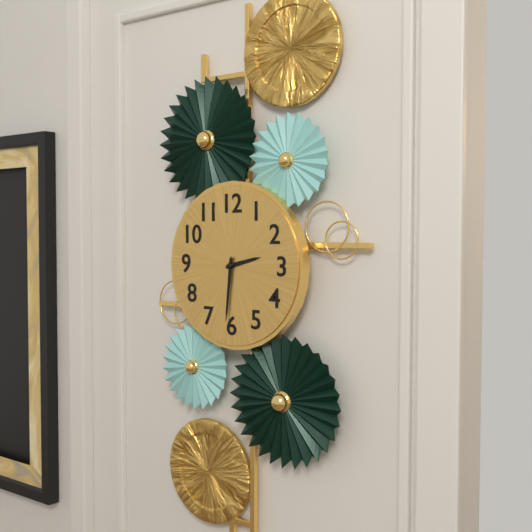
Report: 2:31
